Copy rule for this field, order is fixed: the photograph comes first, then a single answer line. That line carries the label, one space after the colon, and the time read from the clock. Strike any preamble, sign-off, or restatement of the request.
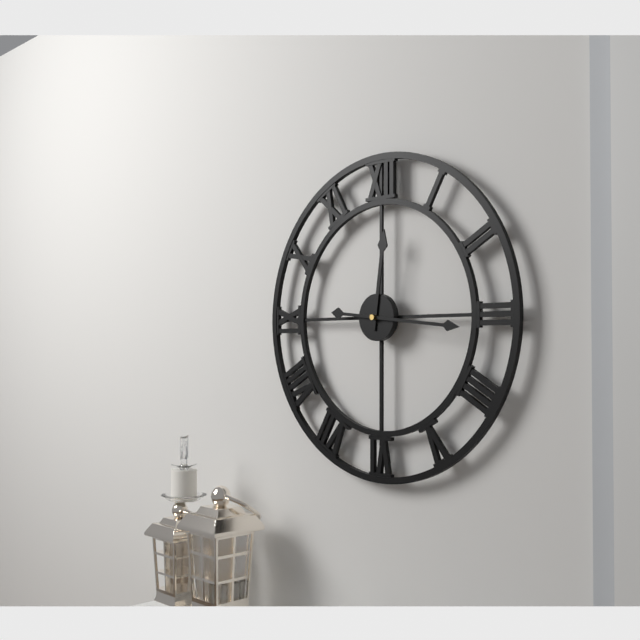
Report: 12:16
